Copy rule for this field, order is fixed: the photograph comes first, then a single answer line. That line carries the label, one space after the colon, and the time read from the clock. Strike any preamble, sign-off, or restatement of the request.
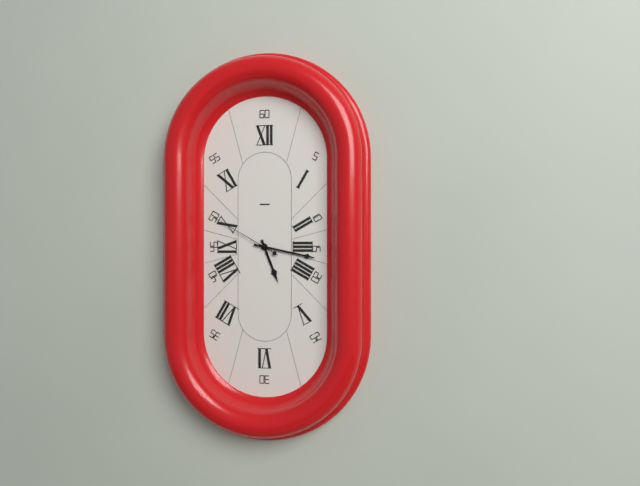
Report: 5:17:50
